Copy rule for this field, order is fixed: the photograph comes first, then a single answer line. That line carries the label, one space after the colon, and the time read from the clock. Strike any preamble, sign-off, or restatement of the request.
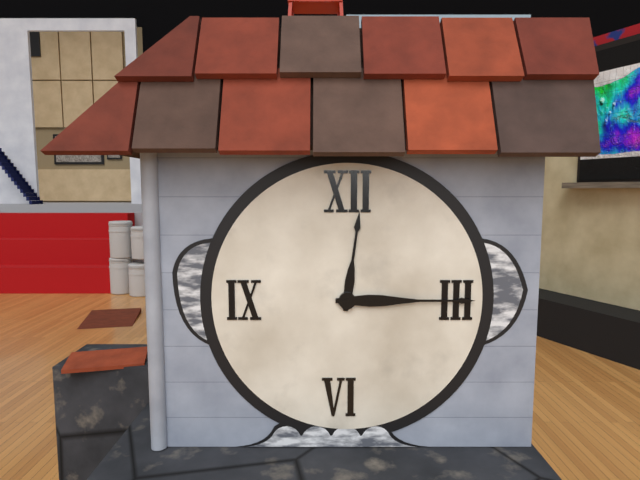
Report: 12:15
